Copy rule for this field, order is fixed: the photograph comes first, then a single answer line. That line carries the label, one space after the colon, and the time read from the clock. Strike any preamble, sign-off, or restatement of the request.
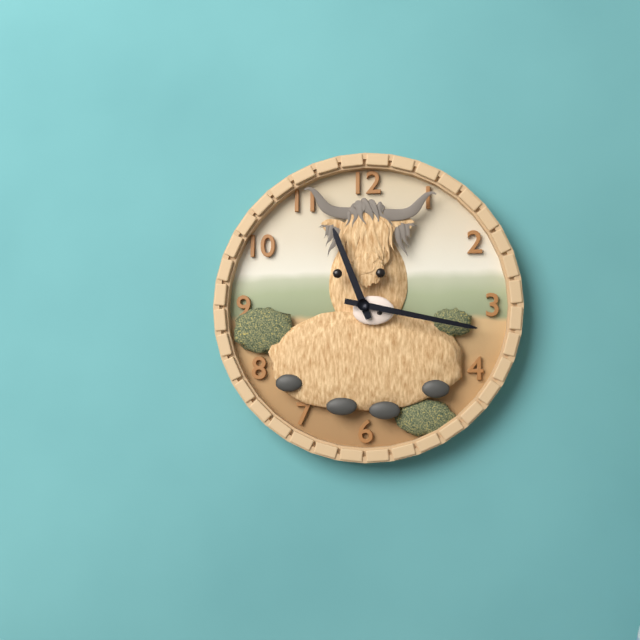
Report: 11:17
